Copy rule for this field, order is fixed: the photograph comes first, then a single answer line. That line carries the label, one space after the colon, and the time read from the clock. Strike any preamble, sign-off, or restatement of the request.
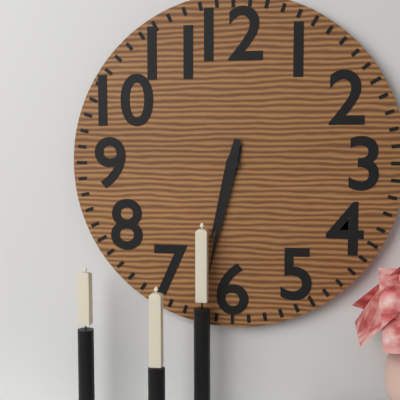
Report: 6:32
